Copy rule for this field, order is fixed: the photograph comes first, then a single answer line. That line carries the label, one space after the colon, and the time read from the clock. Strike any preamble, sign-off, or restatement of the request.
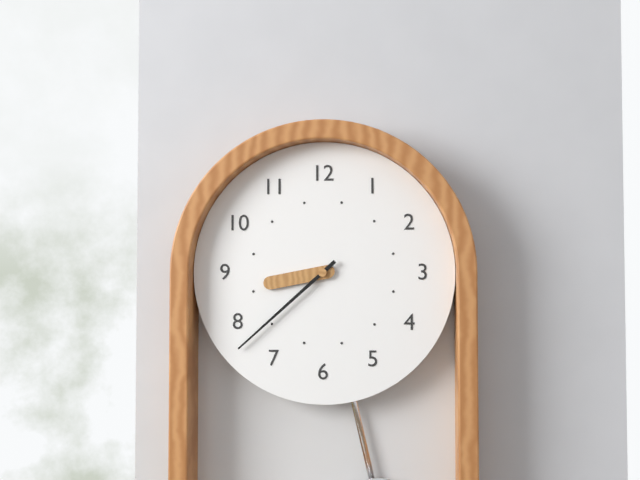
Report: 8:38
